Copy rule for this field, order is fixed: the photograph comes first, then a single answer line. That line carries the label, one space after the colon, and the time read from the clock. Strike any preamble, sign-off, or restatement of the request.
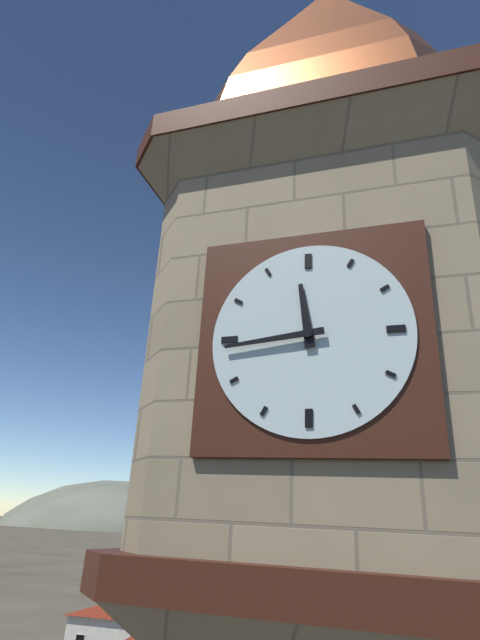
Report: 11:44
